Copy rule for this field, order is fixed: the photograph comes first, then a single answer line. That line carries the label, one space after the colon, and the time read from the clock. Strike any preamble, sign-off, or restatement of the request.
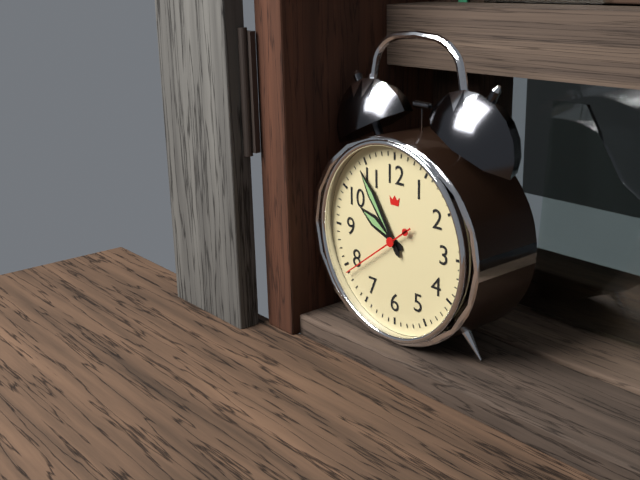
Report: 9:54:39
